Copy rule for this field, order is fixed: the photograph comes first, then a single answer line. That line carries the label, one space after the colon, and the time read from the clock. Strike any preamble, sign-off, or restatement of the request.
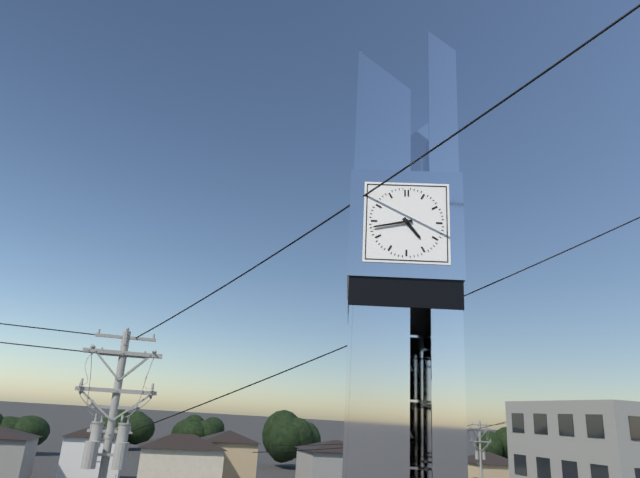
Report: 4:43
